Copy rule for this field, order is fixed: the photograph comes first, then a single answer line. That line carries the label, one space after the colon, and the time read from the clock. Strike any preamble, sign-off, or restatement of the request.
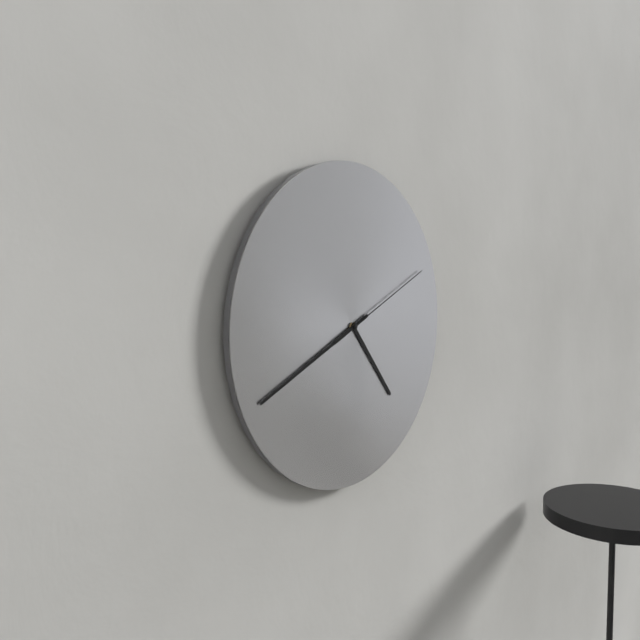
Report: 4:41:11
